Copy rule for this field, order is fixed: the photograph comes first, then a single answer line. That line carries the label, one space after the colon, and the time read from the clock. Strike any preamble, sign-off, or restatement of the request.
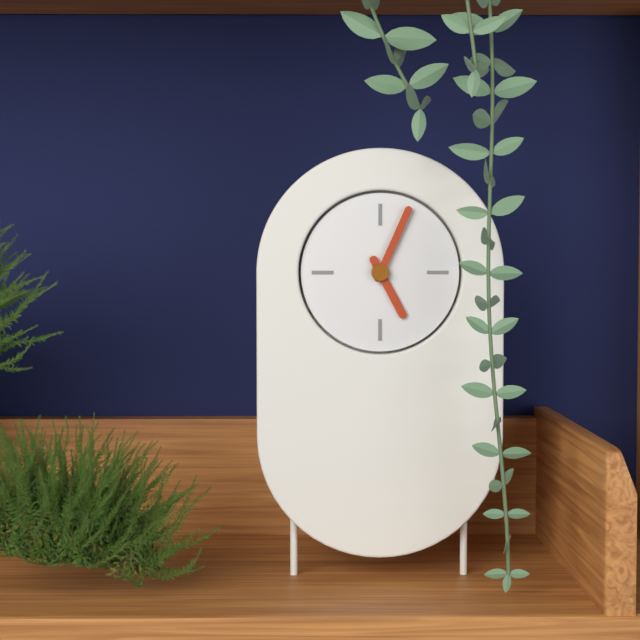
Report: 5:04
